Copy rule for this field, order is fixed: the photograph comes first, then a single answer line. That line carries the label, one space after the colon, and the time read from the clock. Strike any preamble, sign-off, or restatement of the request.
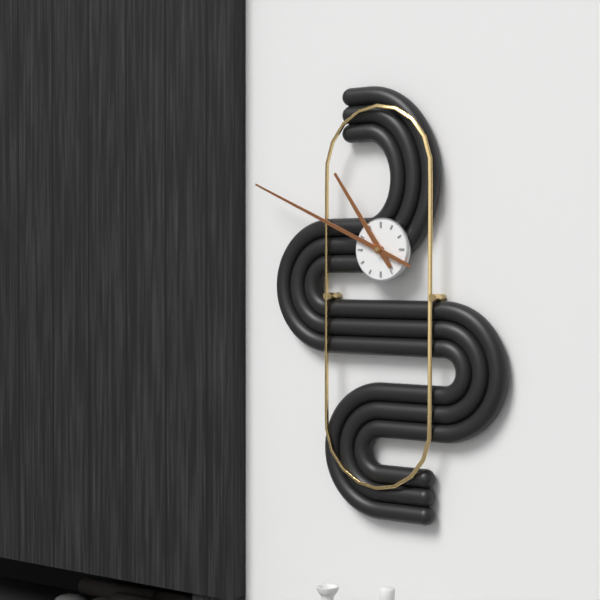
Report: 10:49
